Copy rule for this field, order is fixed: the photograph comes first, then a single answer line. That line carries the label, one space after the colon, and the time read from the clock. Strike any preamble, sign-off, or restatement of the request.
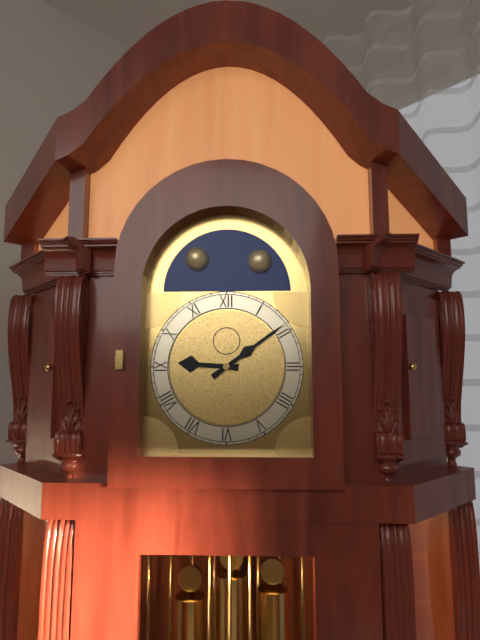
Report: 9:09
